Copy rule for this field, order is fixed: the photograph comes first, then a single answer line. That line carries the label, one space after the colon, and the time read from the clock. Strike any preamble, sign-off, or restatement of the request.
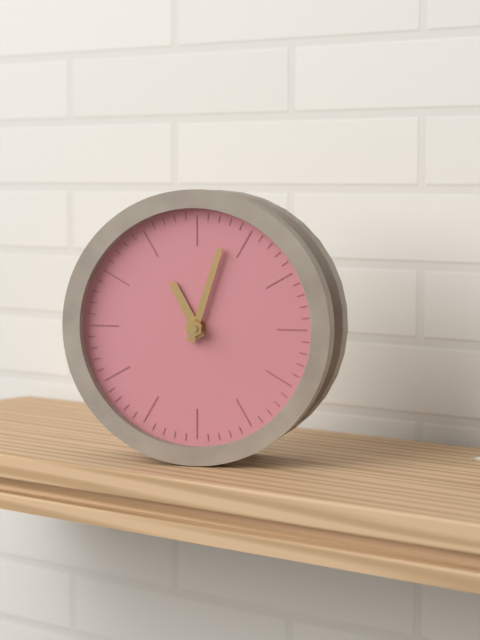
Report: 11:03
